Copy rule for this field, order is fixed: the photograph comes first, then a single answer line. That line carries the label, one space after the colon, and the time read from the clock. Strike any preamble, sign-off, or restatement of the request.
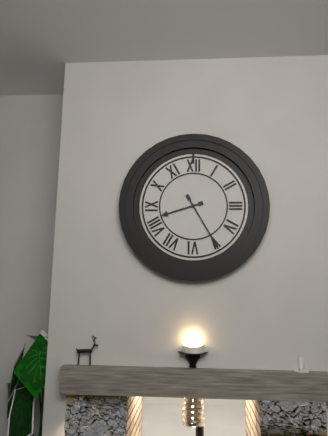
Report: 8:25
